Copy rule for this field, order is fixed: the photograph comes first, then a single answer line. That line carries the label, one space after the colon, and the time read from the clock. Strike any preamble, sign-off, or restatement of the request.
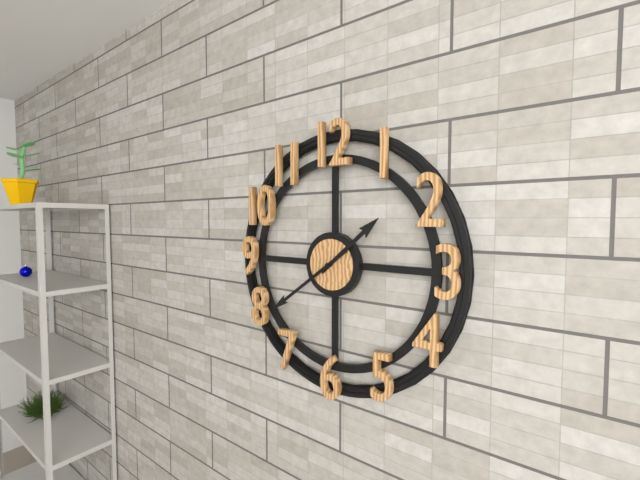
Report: 1:39
